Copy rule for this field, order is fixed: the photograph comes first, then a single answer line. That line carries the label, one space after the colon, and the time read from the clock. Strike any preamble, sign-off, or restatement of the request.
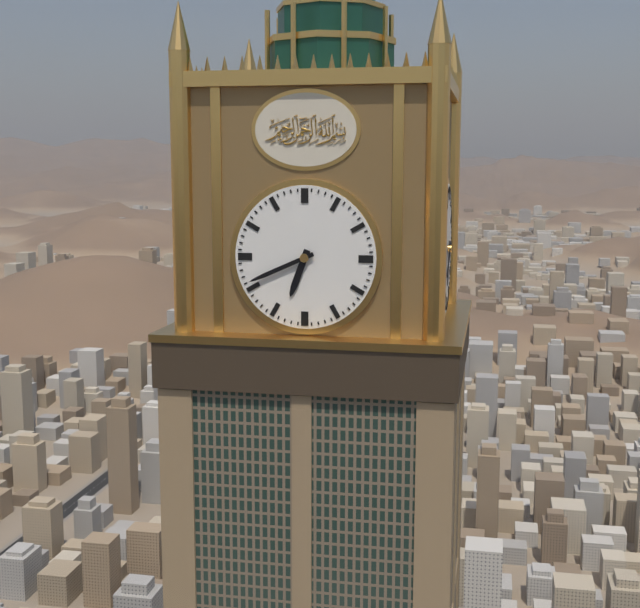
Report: 6:41
